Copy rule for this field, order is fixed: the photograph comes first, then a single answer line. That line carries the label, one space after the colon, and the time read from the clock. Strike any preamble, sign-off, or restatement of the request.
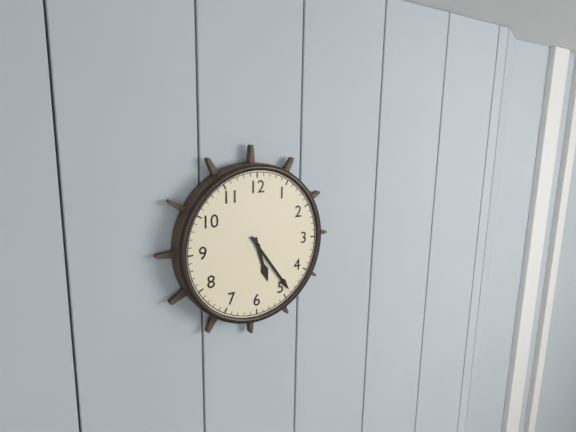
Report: 5:24
